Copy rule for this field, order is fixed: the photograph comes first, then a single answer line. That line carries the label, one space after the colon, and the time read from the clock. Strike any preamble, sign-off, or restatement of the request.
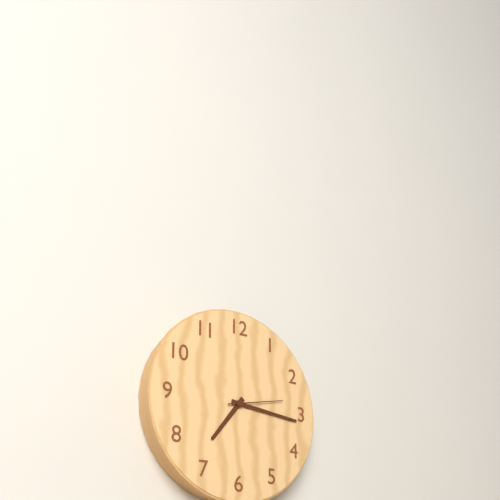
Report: 7:16:13
